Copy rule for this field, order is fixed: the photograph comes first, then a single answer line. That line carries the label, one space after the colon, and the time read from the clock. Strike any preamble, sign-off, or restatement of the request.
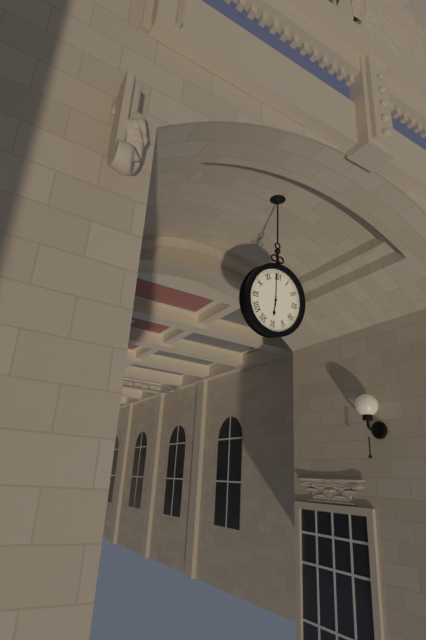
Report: 5:59
